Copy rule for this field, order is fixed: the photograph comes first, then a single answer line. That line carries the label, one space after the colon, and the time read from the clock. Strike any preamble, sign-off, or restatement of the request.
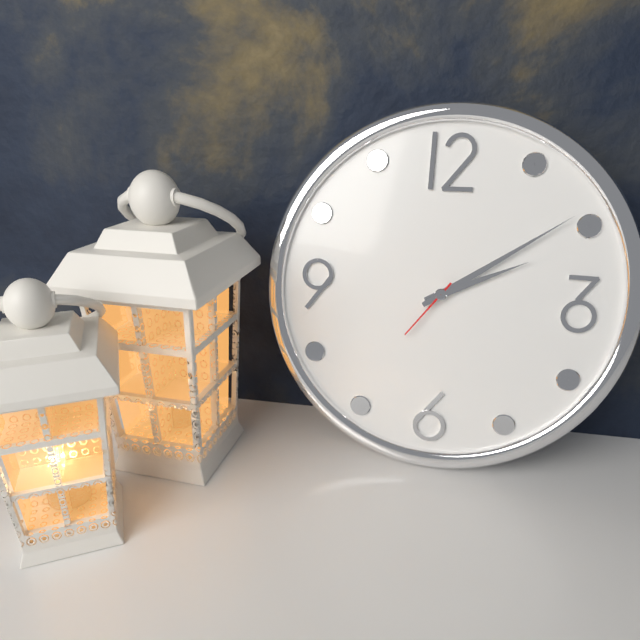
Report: 2:09:36
